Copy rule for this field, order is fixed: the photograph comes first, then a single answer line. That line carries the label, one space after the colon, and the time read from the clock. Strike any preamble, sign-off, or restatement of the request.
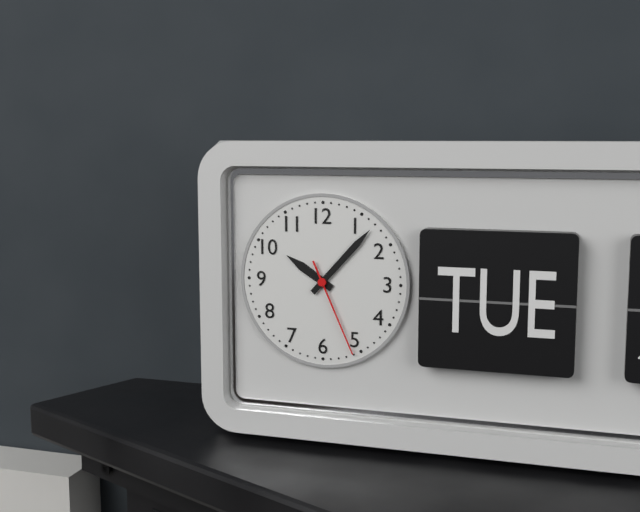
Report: 10:07:26
